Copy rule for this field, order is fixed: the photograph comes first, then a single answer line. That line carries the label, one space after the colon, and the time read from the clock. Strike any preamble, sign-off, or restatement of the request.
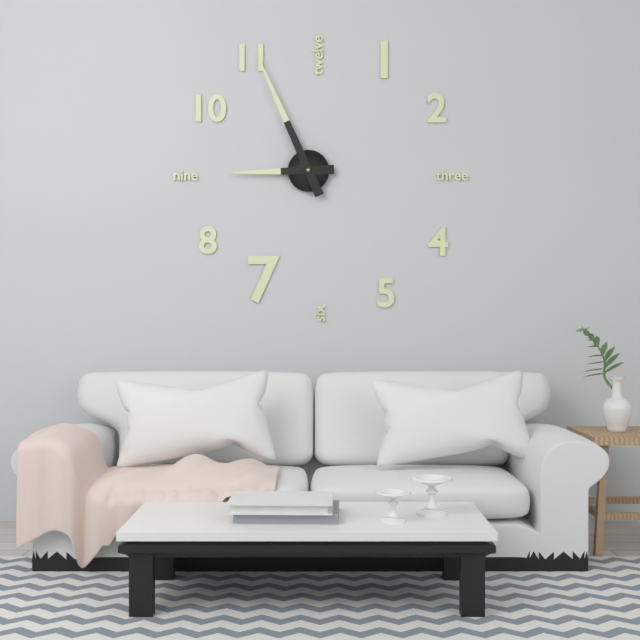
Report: 8:56
